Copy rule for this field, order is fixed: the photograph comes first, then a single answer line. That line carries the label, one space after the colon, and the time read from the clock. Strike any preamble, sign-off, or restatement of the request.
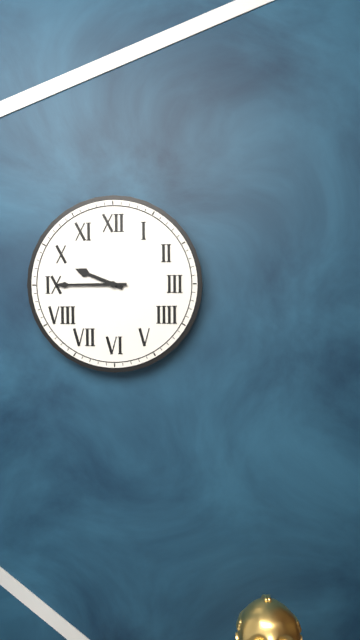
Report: 9:45
